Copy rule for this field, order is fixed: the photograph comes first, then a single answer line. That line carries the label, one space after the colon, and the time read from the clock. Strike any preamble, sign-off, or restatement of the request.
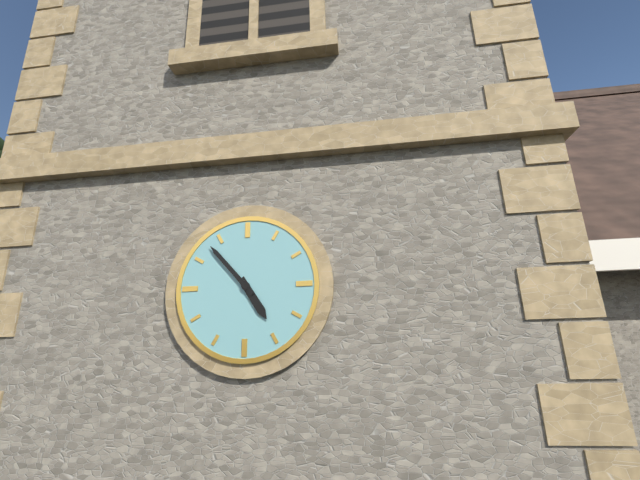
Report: 4:53
